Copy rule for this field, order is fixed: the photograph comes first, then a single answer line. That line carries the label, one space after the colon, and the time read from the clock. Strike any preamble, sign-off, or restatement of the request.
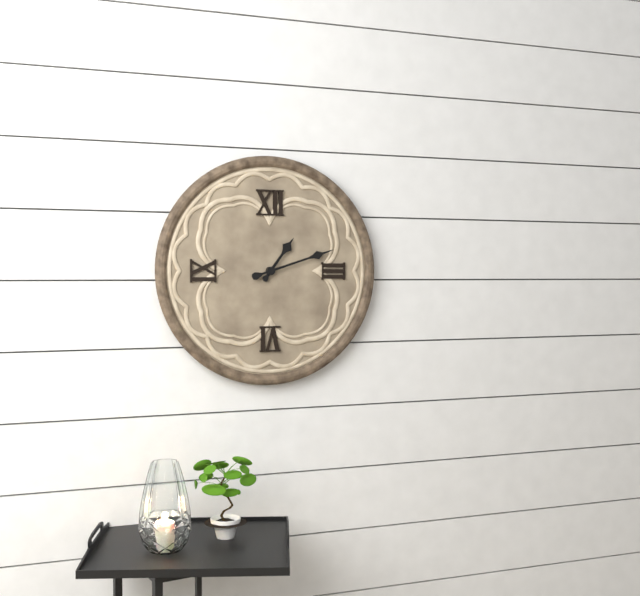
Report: 1:12
